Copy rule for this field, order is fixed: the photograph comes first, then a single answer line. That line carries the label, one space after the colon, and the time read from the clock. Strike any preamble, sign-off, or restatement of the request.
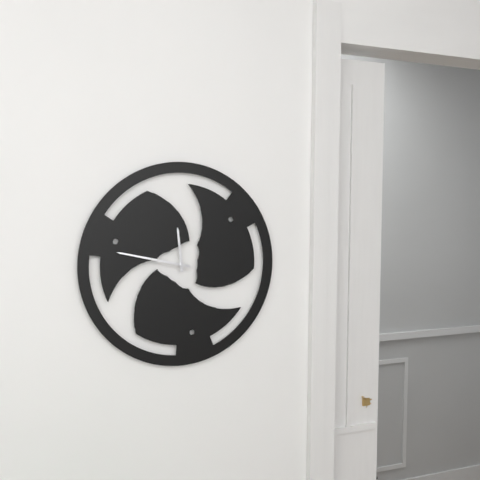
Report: 11:47
